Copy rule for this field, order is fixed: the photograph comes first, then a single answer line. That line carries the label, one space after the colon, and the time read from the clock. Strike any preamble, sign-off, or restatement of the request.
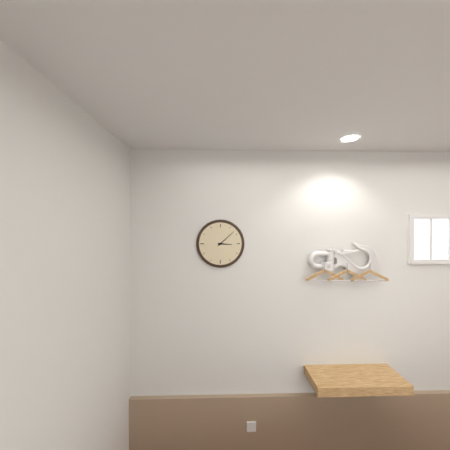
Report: 3:08
